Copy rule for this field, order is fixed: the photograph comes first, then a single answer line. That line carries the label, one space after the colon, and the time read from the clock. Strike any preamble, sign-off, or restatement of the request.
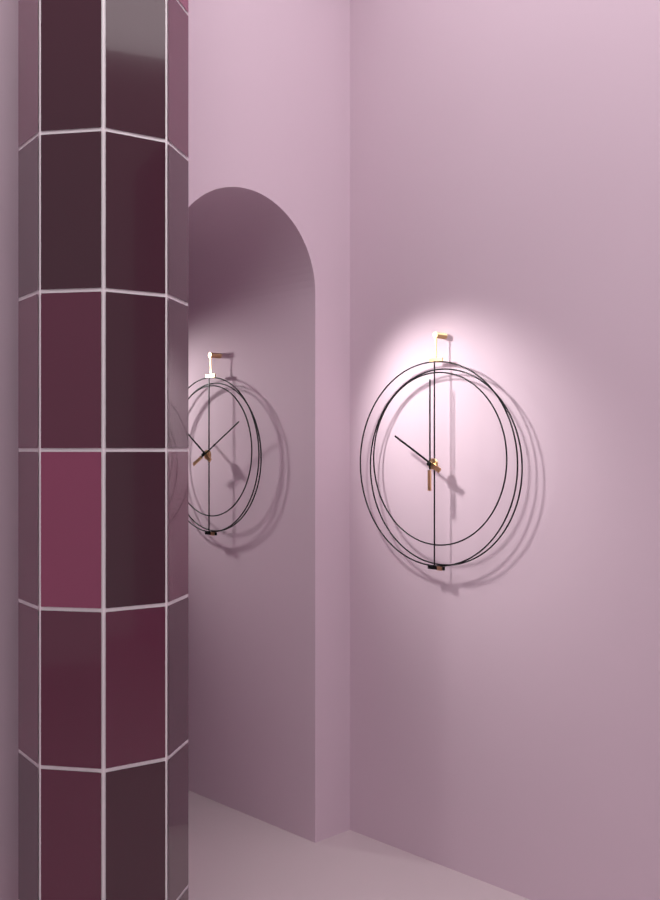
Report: 10:00
